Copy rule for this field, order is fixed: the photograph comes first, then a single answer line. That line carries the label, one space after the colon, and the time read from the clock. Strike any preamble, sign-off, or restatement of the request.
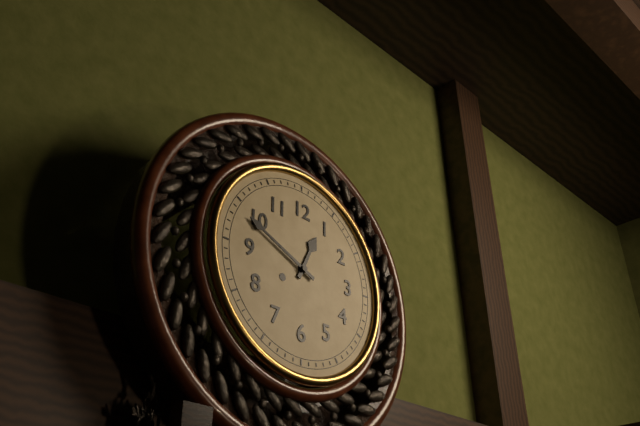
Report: 12:49
